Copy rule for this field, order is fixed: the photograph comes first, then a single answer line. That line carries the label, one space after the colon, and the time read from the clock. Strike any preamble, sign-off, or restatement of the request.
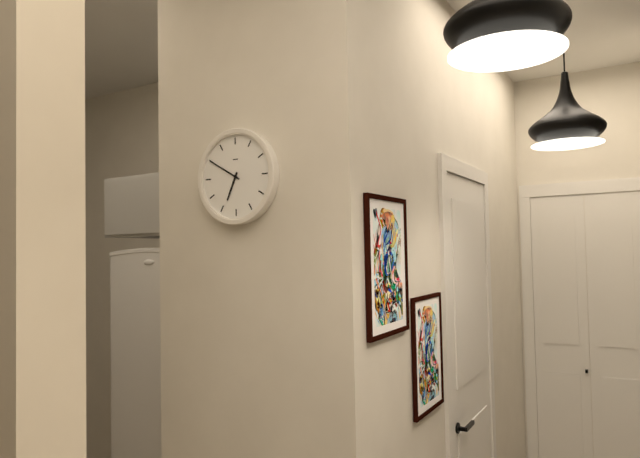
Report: 6:50
